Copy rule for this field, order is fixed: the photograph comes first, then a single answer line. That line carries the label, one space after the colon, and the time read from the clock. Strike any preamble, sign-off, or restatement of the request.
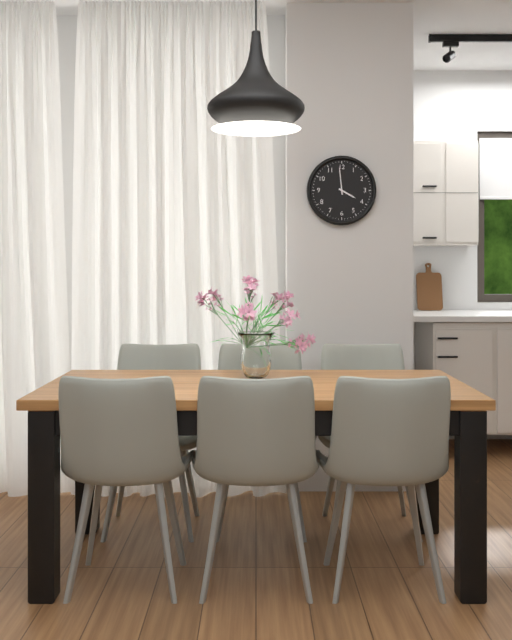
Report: 3:59
